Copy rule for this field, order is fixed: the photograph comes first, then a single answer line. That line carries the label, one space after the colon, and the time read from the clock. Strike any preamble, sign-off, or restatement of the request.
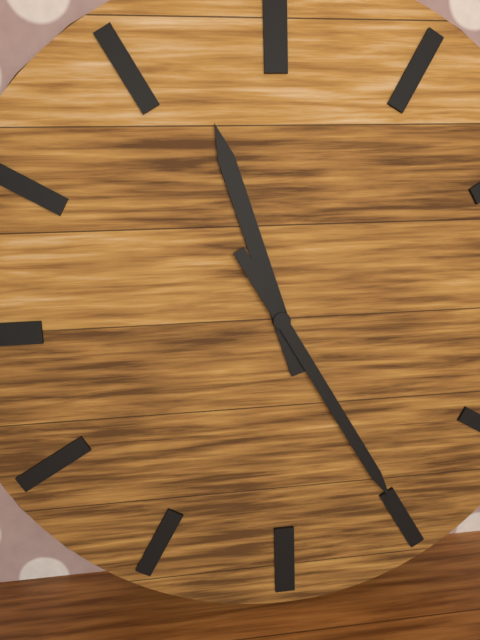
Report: 11:25
